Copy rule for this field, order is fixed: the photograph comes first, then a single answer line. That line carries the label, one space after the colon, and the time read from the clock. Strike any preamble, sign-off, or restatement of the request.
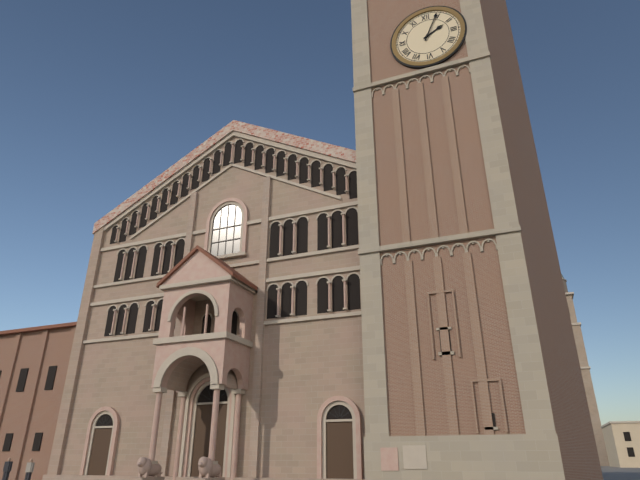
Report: 2:04
